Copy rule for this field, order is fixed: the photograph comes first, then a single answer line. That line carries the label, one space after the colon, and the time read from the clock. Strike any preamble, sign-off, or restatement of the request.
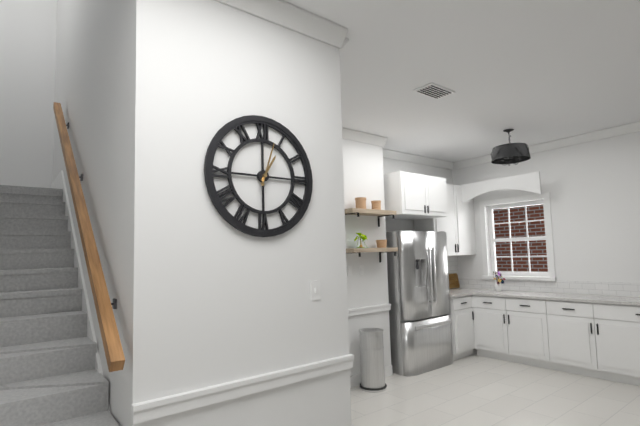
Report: 1:03
